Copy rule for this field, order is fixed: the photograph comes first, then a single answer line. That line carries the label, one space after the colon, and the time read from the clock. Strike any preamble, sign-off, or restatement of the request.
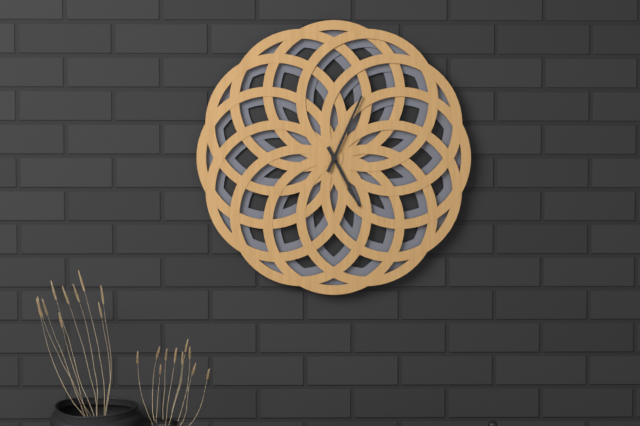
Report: 5:04
